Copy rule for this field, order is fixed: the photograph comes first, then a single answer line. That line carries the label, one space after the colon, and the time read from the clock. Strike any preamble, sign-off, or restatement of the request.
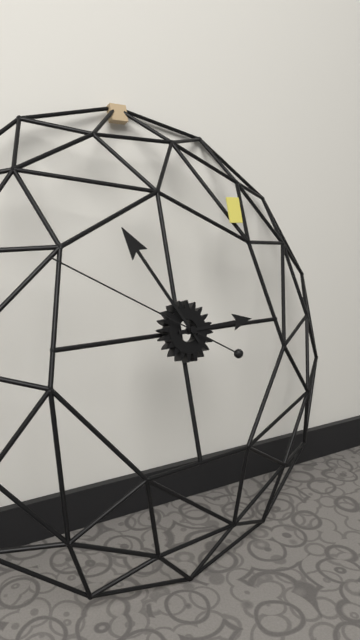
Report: 2:55:50
